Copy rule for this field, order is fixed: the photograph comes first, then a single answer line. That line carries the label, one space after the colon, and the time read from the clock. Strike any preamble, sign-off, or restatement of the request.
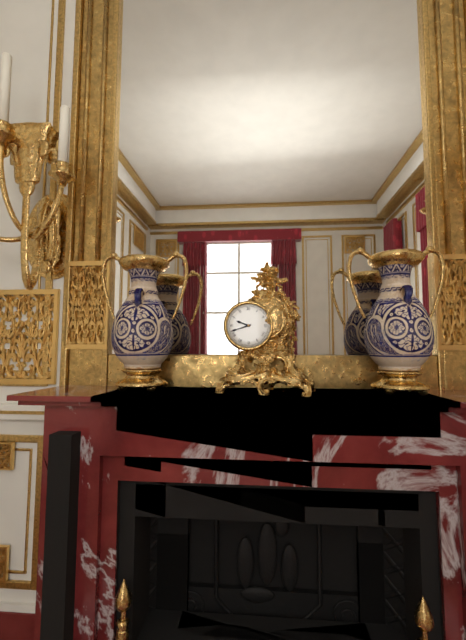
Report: 9:42
